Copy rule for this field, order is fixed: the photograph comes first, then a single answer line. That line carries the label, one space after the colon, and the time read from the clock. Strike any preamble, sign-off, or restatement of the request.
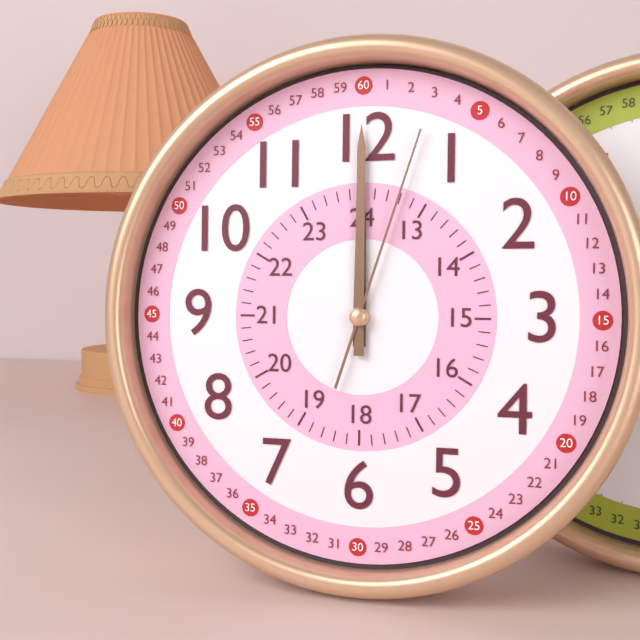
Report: 12:00:03
